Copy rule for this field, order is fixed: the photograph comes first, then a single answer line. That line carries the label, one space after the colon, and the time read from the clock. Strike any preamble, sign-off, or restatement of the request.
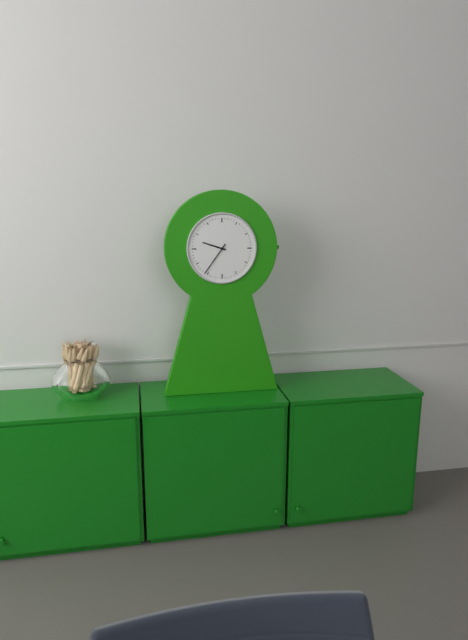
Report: 9:36
